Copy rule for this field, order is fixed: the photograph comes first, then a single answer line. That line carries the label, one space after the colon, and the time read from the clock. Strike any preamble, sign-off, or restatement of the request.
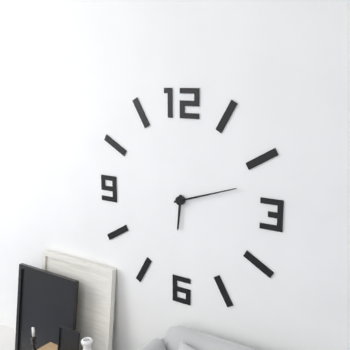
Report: 6:12
